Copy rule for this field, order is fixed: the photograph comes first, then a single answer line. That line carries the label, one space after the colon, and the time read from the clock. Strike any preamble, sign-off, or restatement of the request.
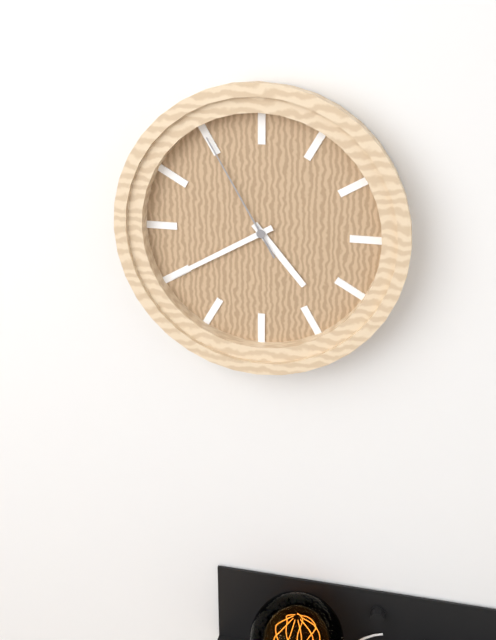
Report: 4:40:55
